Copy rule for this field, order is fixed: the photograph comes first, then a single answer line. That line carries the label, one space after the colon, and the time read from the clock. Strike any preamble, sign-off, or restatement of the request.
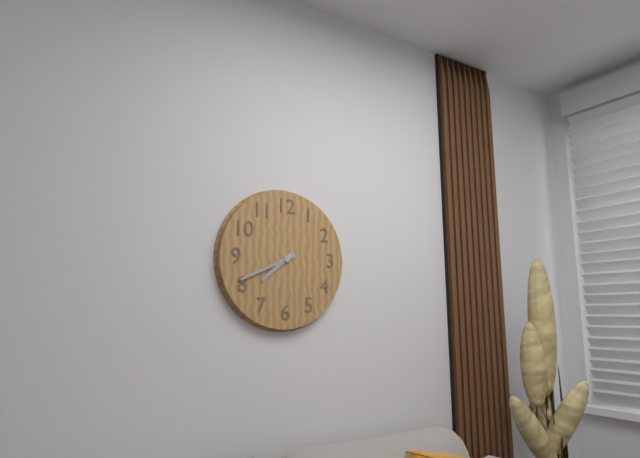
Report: 7:41
